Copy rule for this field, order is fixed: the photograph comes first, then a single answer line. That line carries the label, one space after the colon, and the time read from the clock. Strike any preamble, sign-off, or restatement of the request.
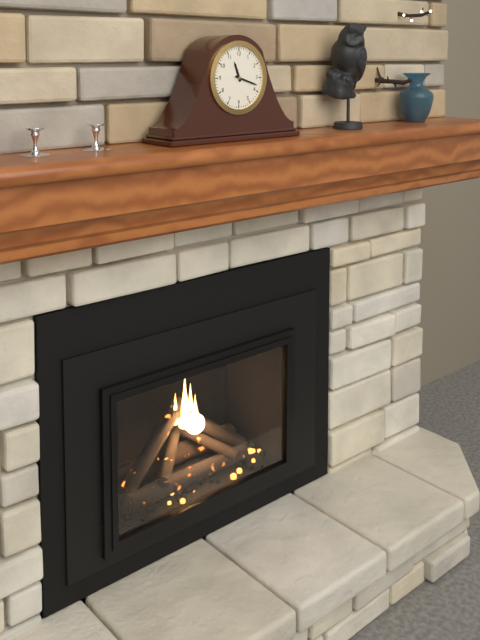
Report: 11:18
